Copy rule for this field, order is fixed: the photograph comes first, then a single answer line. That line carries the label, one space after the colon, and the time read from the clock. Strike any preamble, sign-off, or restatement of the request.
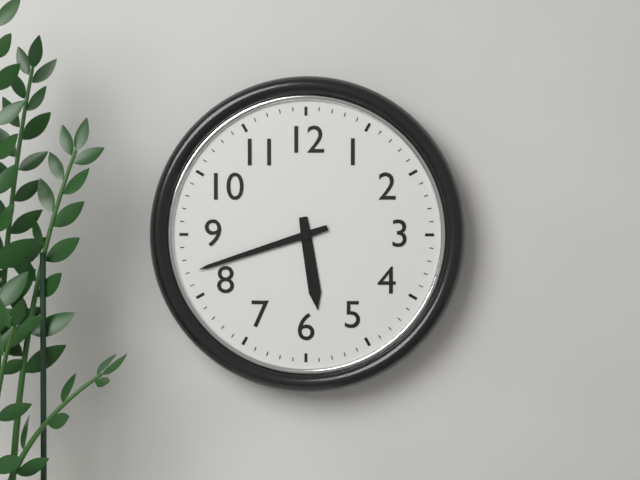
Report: 5:42
